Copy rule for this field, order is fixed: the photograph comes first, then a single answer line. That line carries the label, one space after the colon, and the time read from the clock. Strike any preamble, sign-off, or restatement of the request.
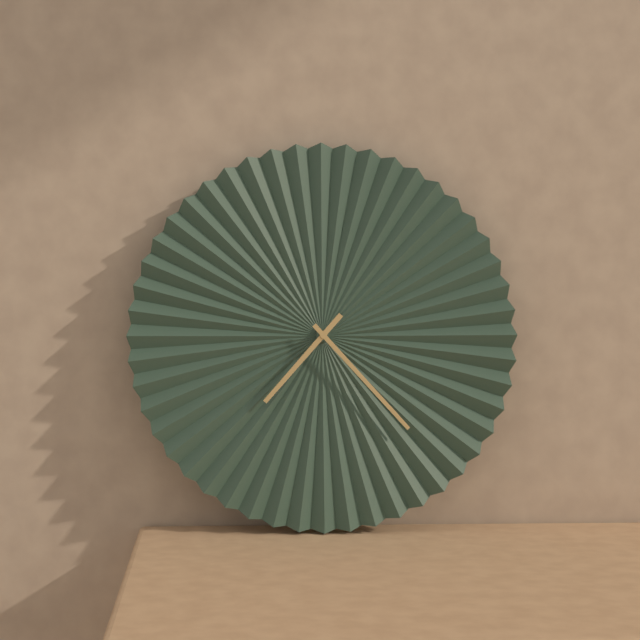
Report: 7:23
